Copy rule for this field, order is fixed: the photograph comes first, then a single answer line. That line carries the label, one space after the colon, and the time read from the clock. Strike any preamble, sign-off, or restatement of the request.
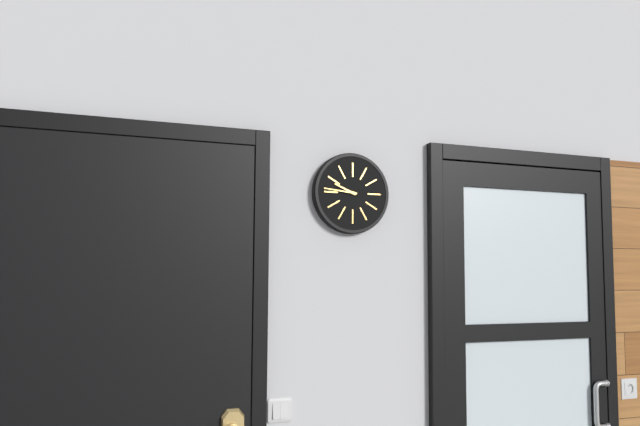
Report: 9:46
